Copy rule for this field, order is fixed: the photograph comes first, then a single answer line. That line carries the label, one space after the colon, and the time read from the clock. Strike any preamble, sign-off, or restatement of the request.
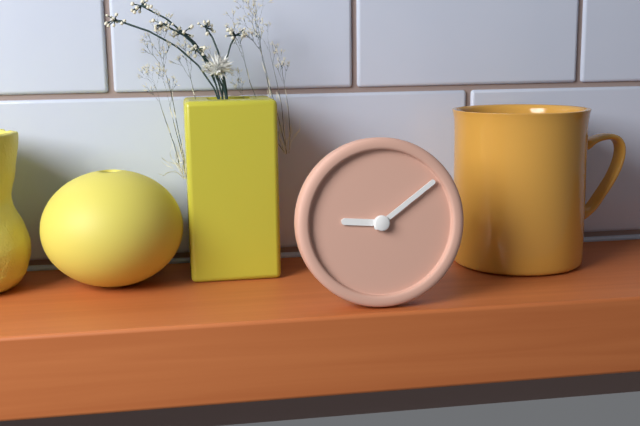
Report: 9:09
